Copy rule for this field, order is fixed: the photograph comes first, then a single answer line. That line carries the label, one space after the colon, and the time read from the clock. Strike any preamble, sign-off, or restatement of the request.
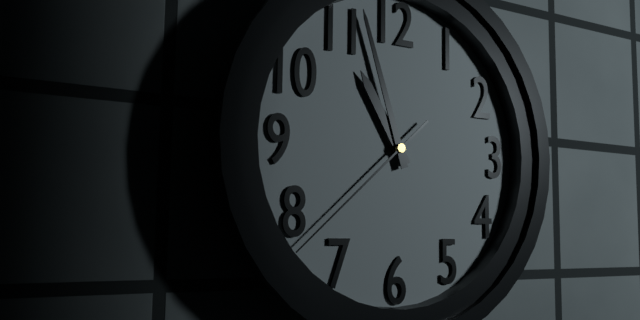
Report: 10:57:38
